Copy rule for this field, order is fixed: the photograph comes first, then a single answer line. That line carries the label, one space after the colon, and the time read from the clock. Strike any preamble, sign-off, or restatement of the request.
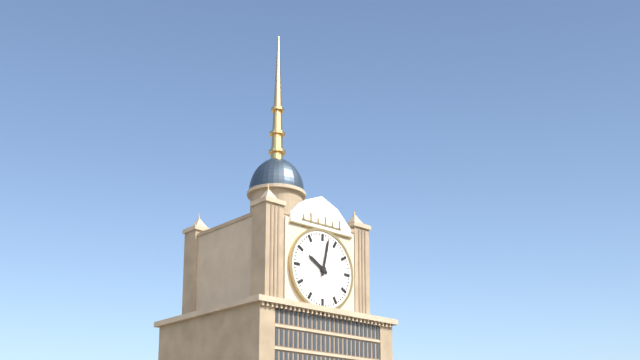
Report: 10:02
